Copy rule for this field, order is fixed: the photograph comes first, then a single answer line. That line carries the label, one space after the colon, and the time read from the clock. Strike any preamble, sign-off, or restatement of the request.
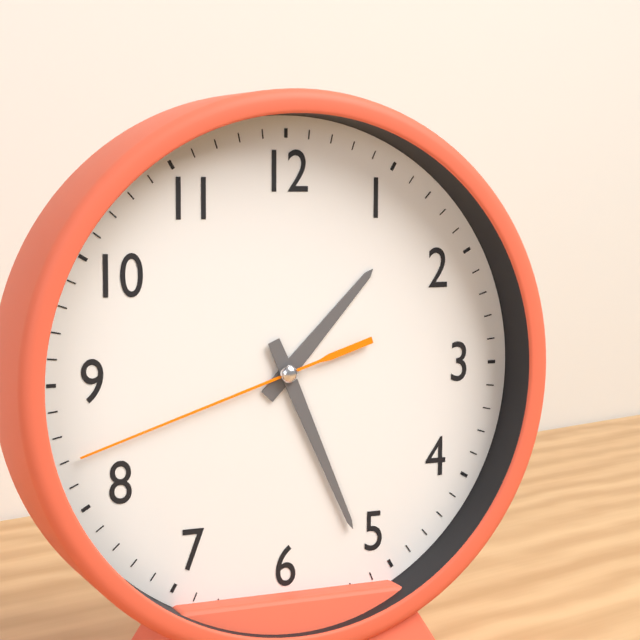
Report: 1:26:42
